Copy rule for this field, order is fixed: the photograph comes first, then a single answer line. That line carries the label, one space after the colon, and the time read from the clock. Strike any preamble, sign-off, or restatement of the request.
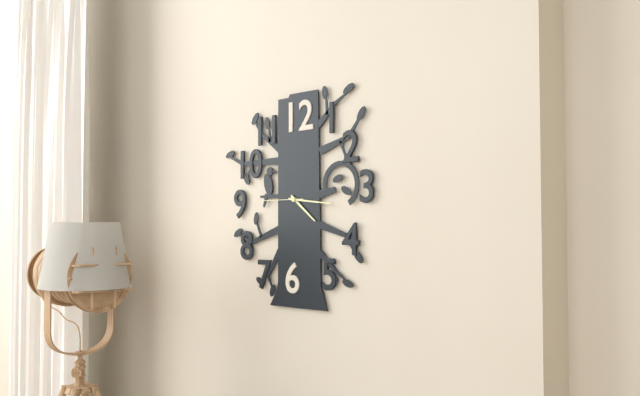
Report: 4:16:45
